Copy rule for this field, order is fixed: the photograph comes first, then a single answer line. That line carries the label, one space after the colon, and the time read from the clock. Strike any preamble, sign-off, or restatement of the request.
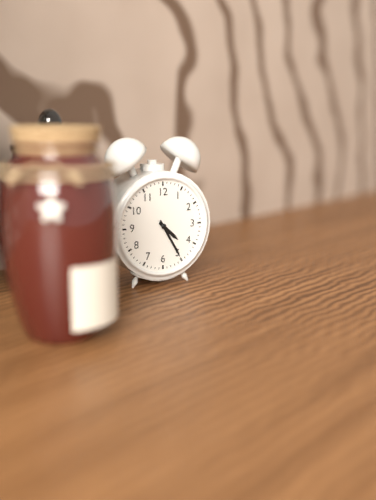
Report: 4:25
